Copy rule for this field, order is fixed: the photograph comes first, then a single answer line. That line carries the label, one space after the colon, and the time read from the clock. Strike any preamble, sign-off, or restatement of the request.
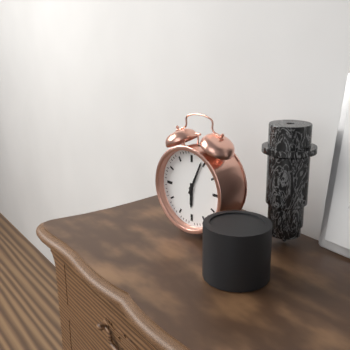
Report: 6:04
